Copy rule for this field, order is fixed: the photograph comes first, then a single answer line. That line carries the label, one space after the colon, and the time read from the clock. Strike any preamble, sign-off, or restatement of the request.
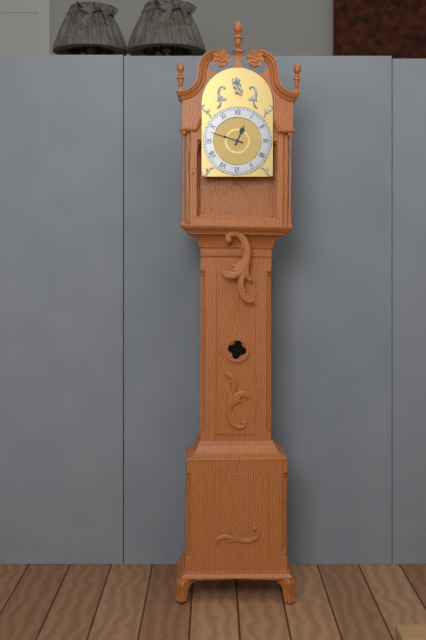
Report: 12:48
